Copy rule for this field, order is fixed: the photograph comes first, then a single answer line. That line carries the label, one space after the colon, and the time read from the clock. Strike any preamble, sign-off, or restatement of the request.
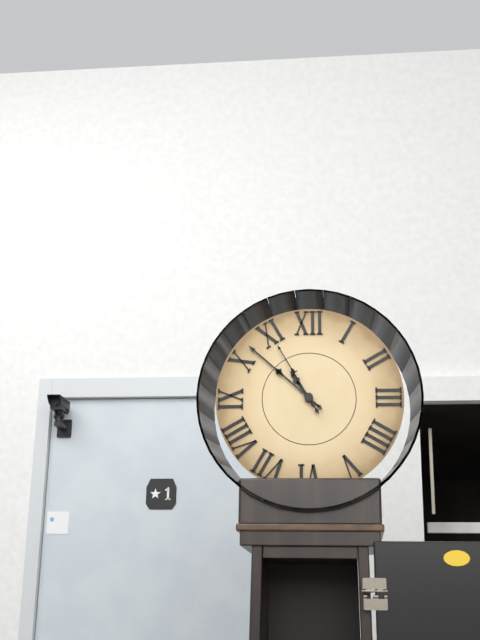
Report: 10:52:55
